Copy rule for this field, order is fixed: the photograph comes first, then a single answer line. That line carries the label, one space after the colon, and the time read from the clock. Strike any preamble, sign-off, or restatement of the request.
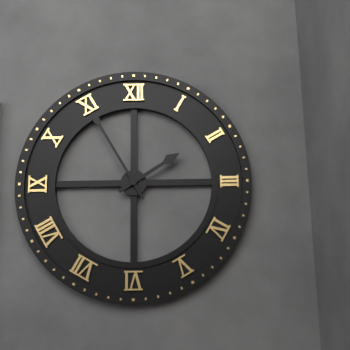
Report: 1:55
